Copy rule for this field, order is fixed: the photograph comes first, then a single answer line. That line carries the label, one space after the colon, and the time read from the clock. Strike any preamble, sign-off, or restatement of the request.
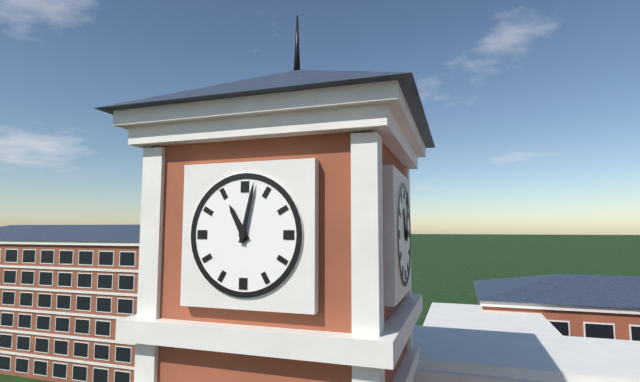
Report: 11:02
